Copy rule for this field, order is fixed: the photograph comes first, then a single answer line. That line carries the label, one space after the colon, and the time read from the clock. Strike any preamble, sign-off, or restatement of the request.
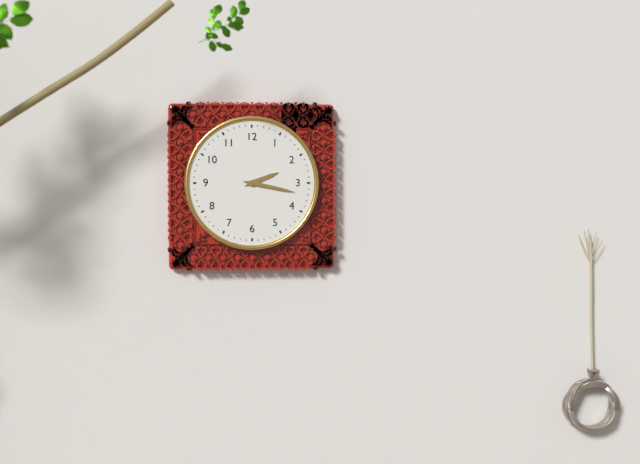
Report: 2:17
